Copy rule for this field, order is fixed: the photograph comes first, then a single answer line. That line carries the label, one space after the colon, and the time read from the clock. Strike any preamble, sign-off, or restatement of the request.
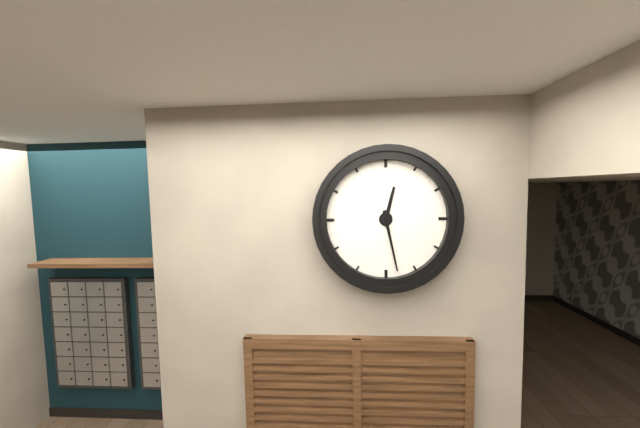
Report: 12:28
